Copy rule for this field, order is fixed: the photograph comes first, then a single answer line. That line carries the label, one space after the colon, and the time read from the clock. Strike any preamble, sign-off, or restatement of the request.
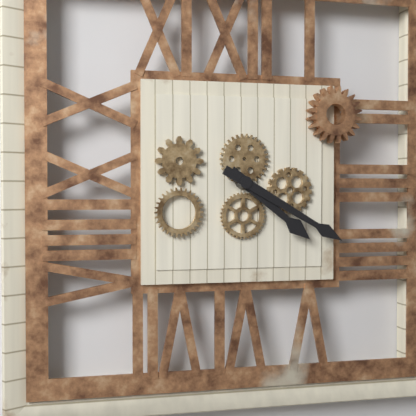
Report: 4:20
